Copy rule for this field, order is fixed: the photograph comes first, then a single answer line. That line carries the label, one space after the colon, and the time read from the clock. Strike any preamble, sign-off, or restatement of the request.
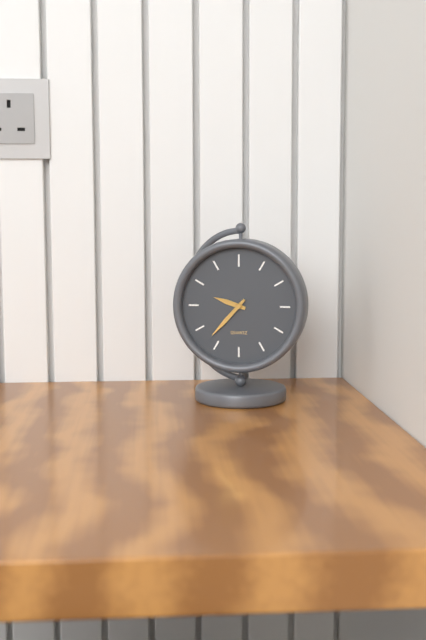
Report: 9:37
